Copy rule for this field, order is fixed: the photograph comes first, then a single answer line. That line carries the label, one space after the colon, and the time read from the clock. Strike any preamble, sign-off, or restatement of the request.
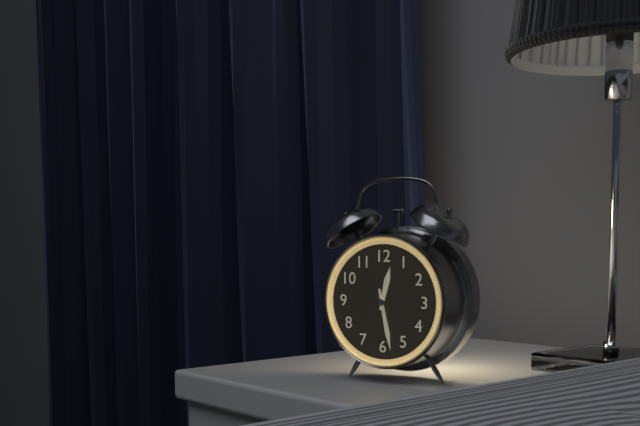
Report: 12:28
